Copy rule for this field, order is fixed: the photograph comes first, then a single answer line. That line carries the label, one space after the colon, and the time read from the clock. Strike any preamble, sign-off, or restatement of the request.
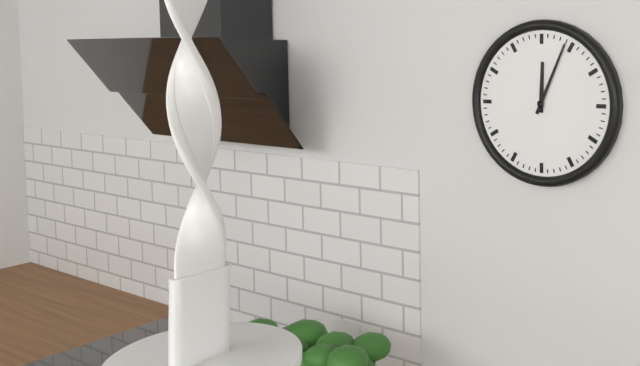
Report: 12:04
